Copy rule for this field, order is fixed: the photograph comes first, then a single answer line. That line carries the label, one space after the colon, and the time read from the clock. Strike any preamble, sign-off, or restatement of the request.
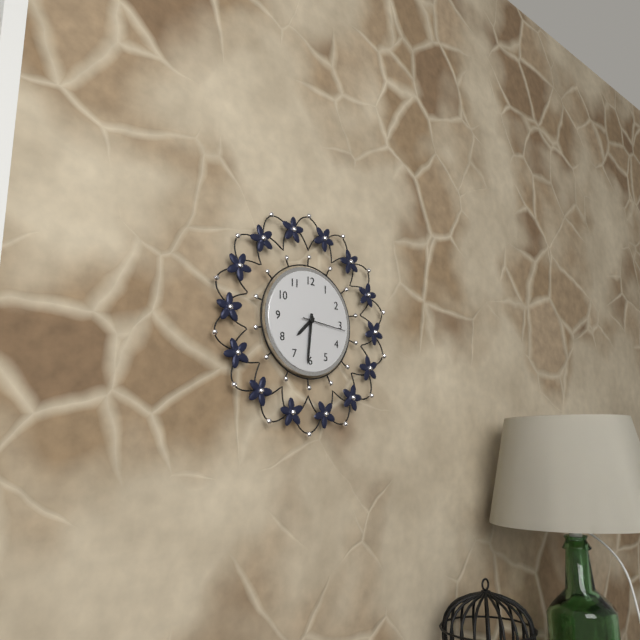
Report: 7:31
